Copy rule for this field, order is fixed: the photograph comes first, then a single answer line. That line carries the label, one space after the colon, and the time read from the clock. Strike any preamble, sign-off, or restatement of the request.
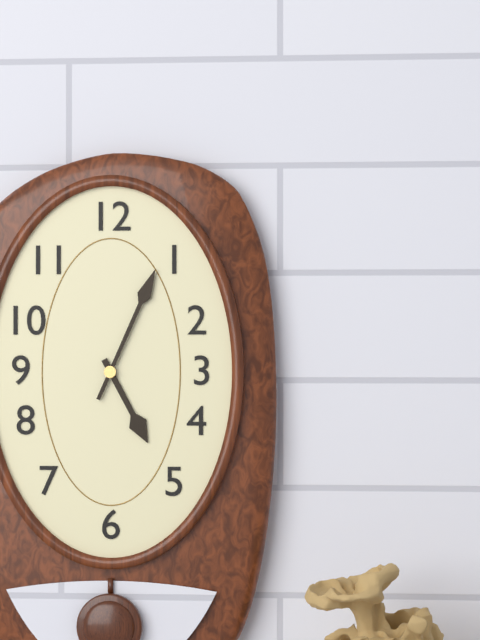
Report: 5:04
